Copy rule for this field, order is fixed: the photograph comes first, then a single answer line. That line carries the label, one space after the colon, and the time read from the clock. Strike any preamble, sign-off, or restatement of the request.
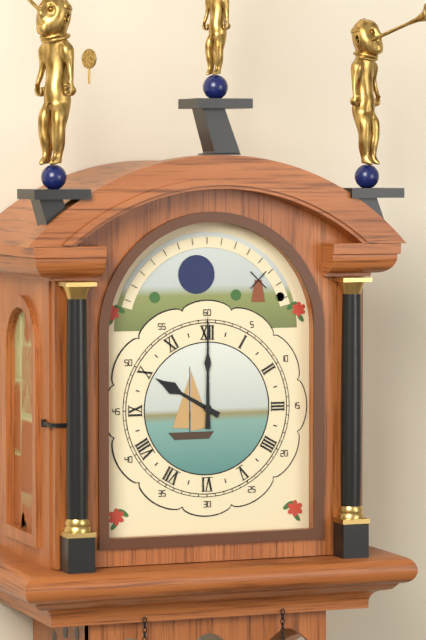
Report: 10:00
